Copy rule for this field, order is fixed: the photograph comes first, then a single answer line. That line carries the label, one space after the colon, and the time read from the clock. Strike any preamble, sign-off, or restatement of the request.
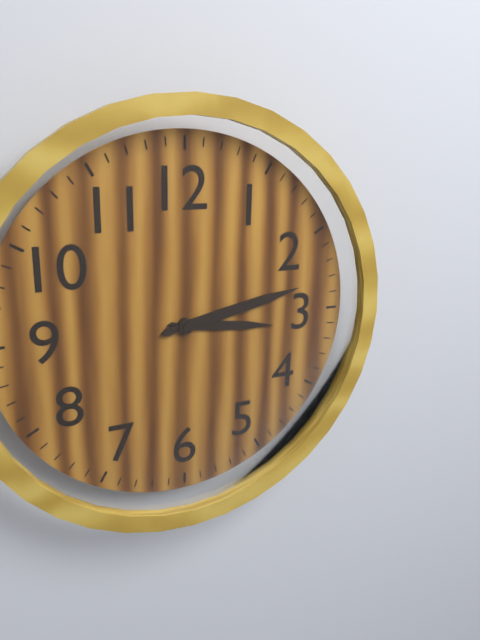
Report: 3:13
